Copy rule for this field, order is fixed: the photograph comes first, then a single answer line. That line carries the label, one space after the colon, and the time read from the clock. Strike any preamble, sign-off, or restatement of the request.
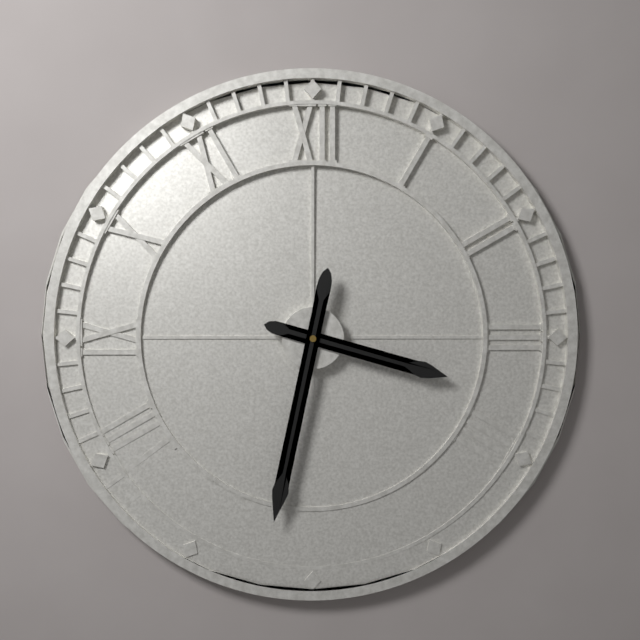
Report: 3:32
